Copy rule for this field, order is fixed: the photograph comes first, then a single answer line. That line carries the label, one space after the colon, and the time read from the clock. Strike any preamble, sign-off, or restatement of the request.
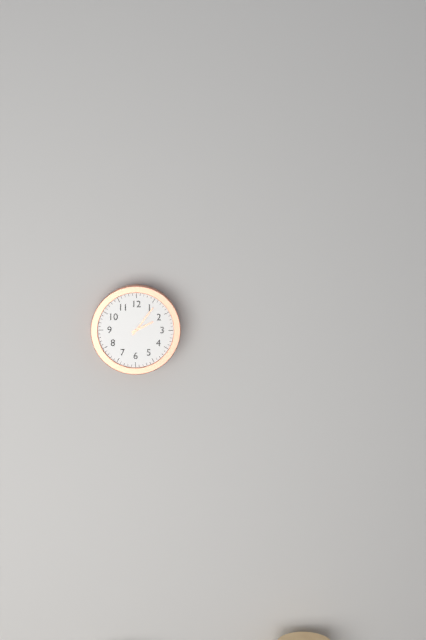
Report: 2:06
